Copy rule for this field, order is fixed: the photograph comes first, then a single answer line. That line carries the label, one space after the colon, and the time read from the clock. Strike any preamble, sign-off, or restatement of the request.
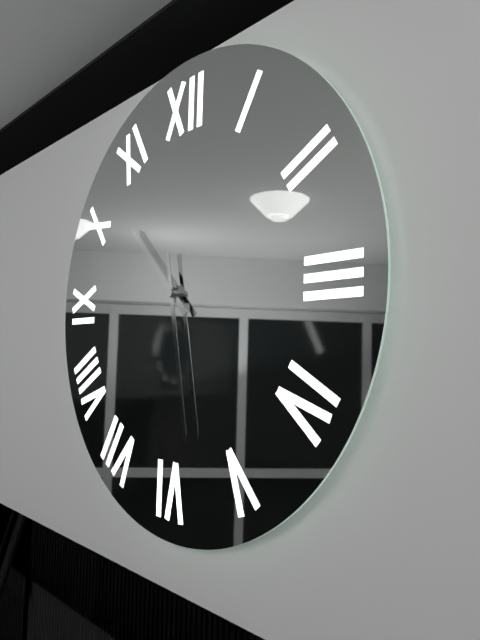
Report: 10:28
